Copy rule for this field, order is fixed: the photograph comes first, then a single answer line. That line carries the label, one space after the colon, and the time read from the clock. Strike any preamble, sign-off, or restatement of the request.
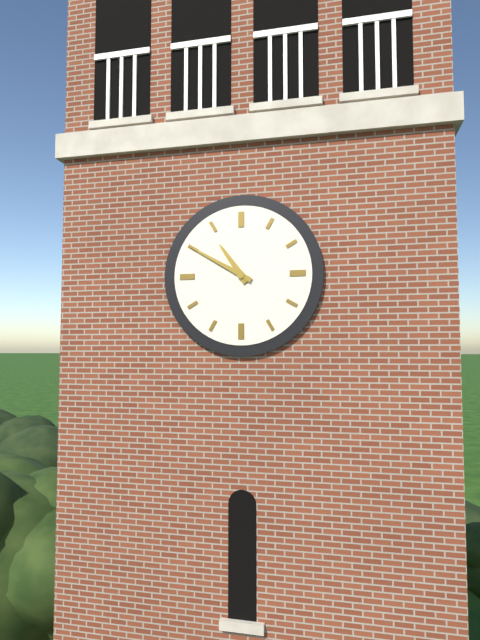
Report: 10:50
